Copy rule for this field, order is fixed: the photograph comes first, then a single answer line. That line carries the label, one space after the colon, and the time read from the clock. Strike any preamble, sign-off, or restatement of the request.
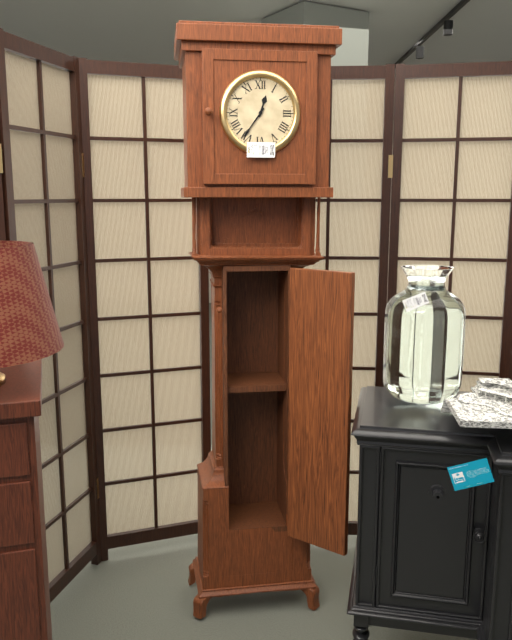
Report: 12:36
